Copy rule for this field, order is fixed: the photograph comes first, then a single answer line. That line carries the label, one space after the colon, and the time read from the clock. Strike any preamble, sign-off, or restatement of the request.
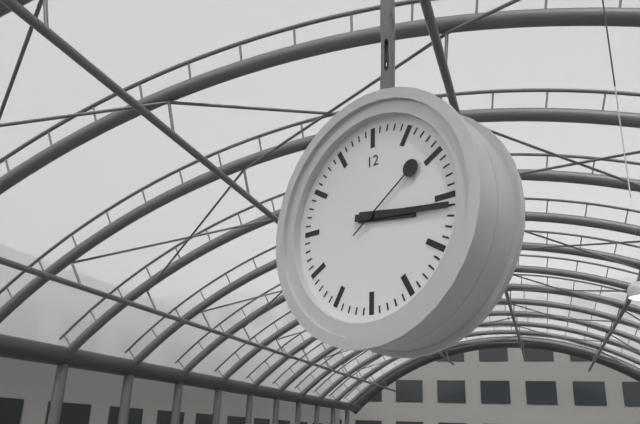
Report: 3:16:09
